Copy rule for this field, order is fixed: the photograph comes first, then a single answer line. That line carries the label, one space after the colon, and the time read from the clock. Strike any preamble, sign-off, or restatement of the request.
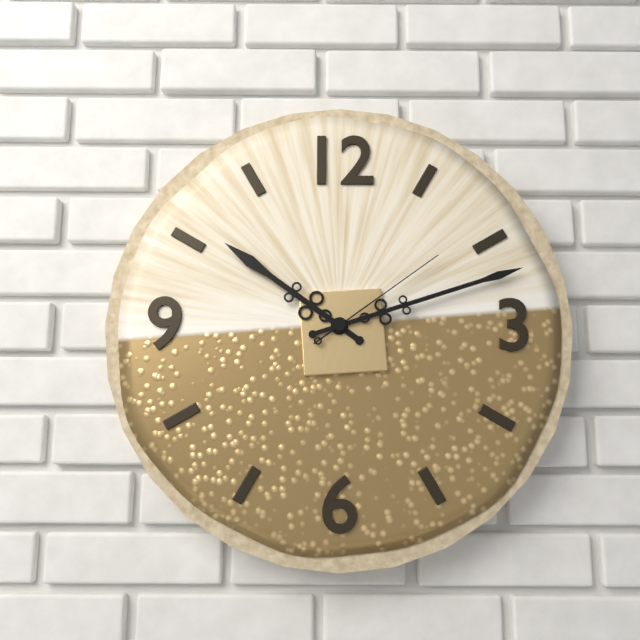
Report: 10:12:09
